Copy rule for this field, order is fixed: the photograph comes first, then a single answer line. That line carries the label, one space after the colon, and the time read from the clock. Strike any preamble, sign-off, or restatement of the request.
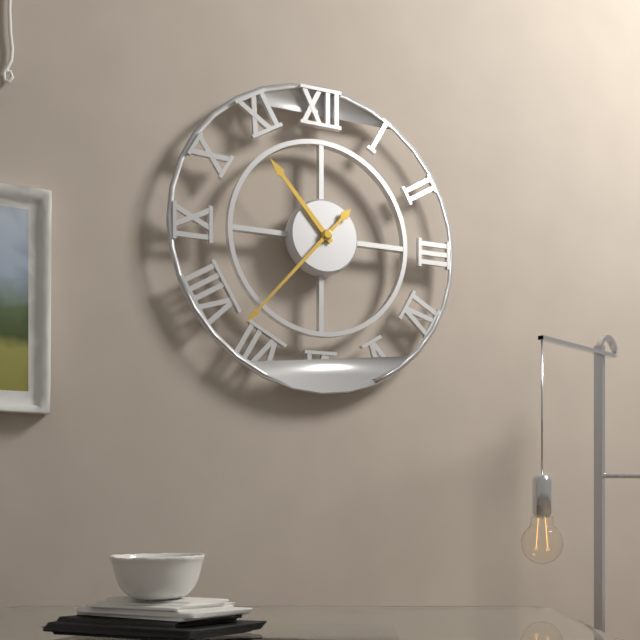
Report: 10:37
